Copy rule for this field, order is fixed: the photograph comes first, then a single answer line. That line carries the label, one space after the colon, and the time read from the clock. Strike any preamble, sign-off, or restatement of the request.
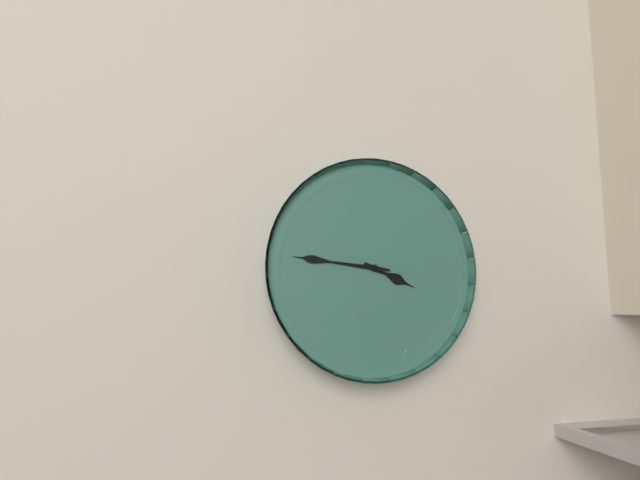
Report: 3:46
